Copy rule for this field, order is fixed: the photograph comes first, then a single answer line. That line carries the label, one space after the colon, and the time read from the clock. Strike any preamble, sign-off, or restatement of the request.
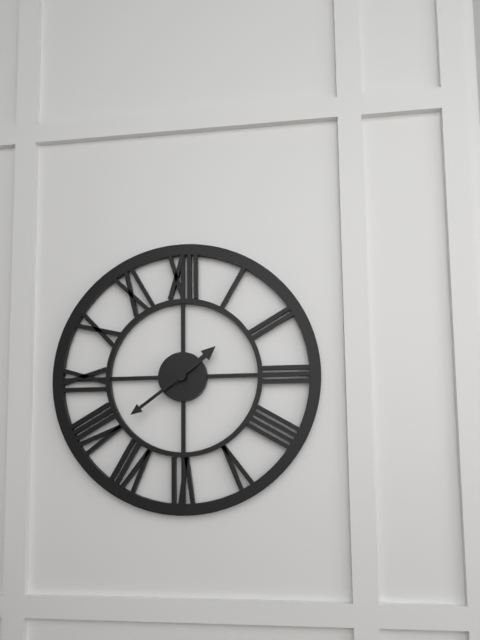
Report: 1:39
